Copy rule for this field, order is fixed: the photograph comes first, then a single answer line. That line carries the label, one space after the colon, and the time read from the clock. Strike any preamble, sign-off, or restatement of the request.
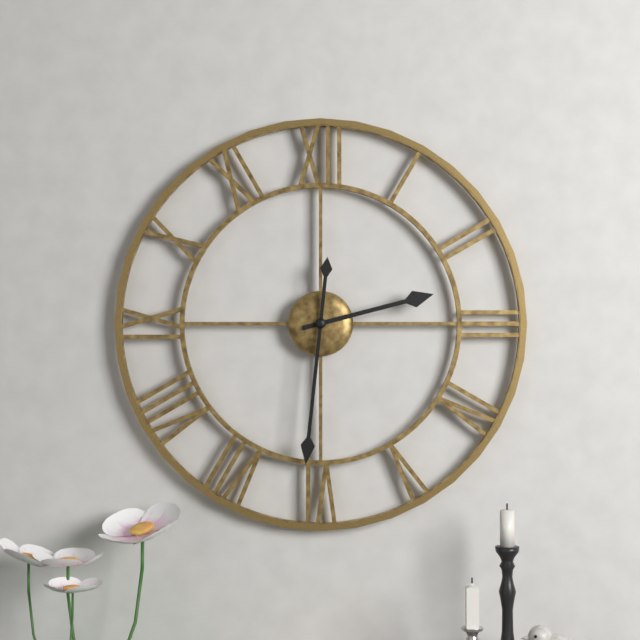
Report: 2:31
